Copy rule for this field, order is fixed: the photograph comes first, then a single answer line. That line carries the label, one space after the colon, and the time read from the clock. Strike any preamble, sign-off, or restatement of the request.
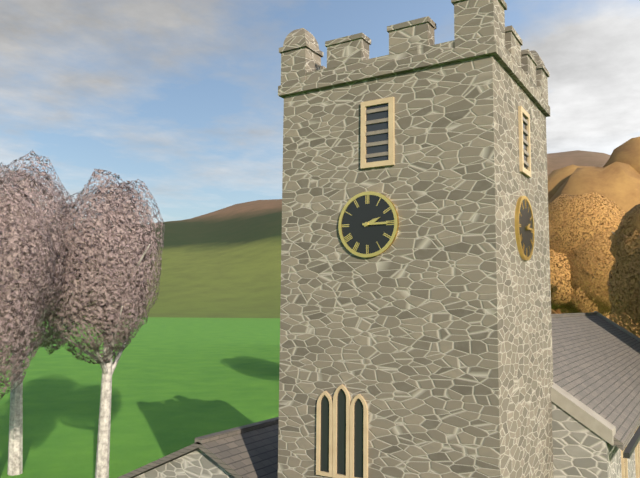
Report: 2:15
